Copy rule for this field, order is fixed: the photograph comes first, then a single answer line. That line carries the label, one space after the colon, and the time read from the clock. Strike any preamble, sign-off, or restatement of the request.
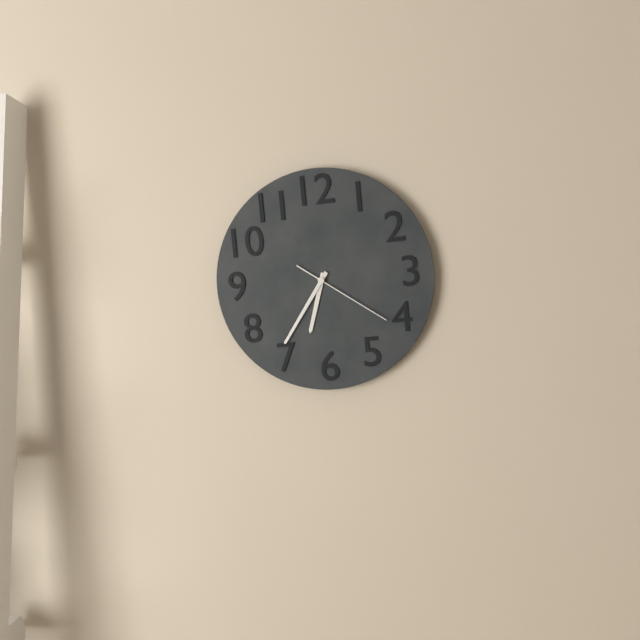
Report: 6:36:21
